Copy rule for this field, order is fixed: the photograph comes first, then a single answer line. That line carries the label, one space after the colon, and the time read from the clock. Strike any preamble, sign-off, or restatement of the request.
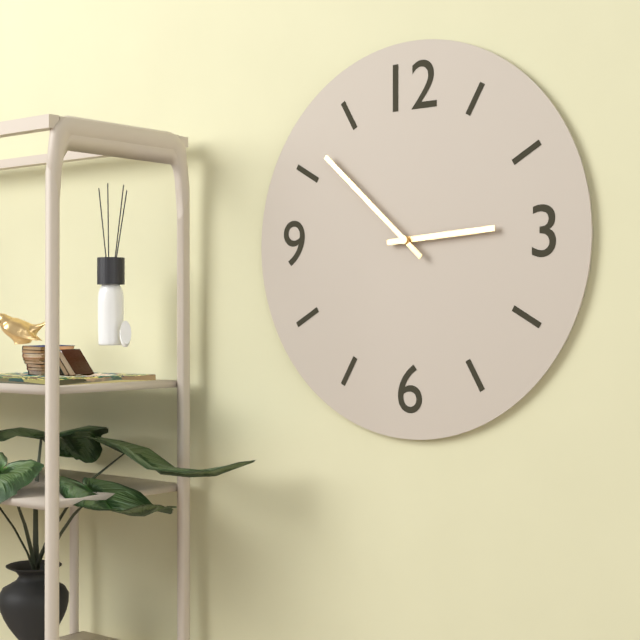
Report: 2:52
